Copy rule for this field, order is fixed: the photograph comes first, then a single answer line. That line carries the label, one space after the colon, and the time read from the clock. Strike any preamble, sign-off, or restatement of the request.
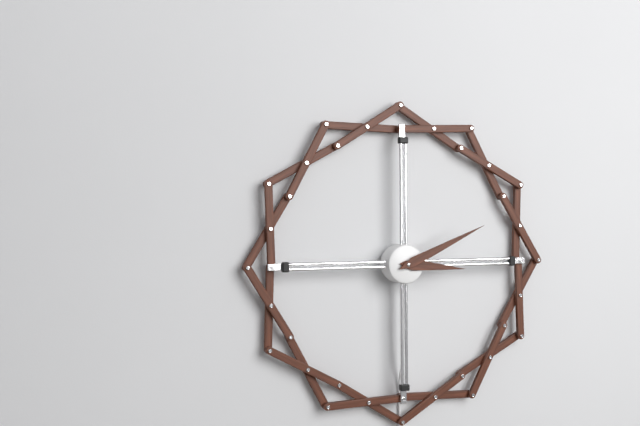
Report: 3:11
